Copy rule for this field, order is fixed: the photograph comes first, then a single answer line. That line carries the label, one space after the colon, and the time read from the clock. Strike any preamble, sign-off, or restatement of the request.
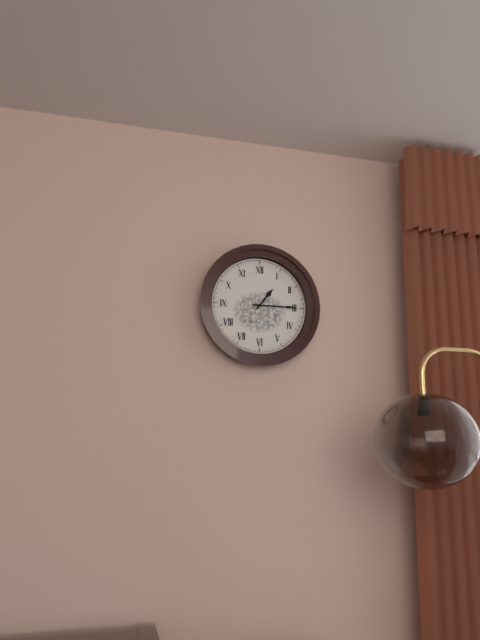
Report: 1:15
